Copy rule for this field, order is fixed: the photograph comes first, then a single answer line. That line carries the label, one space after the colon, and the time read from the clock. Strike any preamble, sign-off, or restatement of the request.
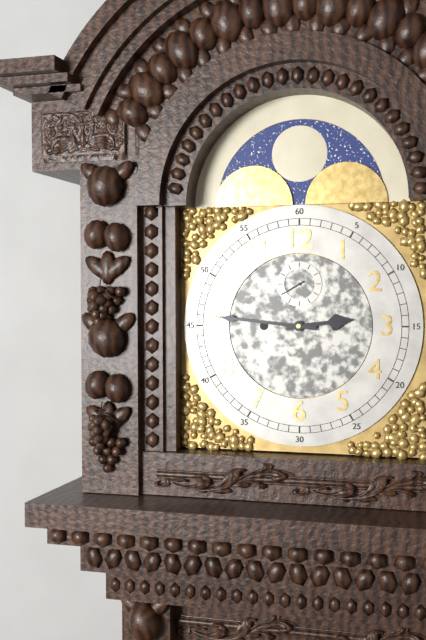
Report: 2:46
